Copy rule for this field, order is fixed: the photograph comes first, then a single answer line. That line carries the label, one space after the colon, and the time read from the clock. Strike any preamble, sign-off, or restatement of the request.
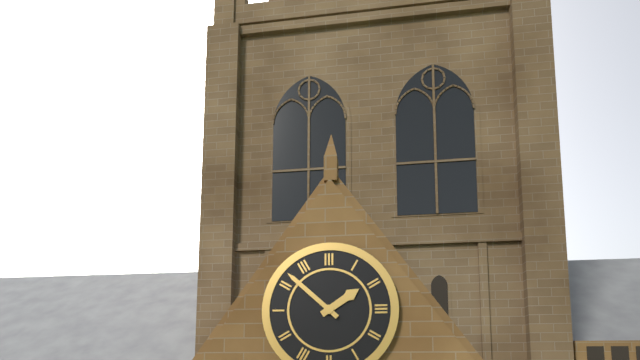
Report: 1:52
